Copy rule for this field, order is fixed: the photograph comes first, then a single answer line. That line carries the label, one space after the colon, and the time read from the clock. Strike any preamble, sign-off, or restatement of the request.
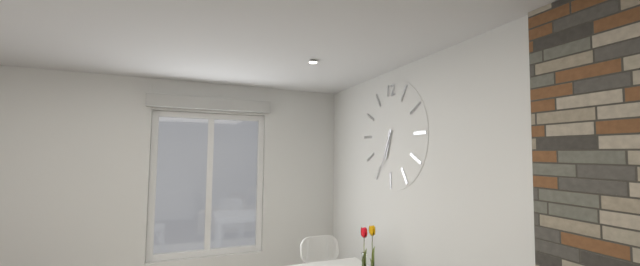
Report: 6:34
